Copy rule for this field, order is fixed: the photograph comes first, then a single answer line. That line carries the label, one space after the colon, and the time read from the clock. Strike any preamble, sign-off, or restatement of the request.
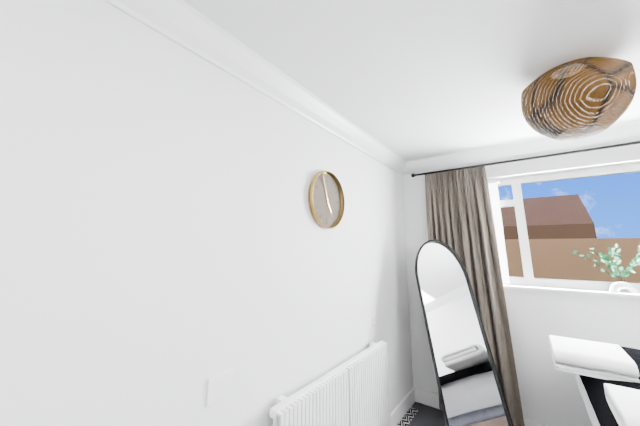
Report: 4:57
